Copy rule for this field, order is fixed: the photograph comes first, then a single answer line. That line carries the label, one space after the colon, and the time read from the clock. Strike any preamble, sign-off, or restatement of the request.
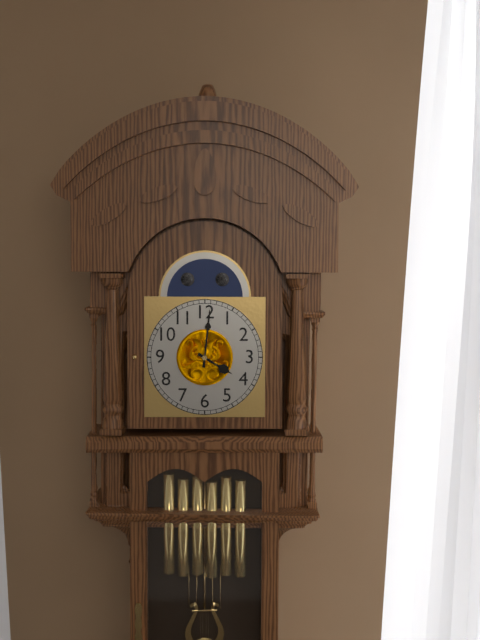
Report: 4:01
